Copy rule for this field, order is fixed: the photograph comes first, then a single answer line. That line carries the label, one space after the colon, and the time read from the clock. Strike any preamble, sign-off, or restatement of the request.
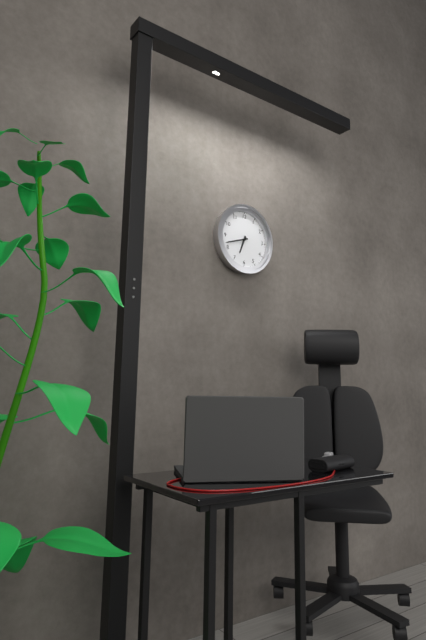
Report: 6:42
